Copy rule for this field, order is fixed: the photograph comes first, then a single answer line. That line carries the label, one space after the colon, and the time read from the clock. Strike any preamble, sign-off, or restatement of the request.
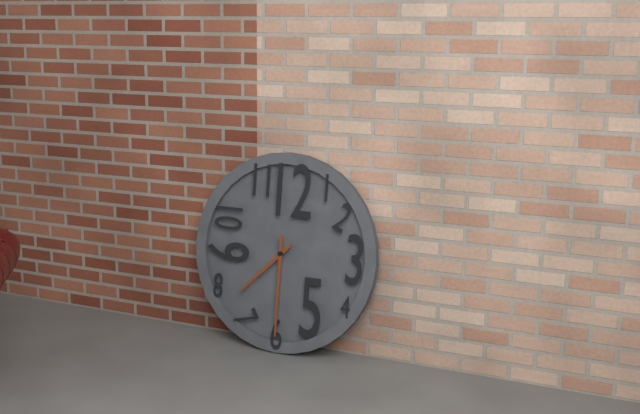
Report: 7:30
